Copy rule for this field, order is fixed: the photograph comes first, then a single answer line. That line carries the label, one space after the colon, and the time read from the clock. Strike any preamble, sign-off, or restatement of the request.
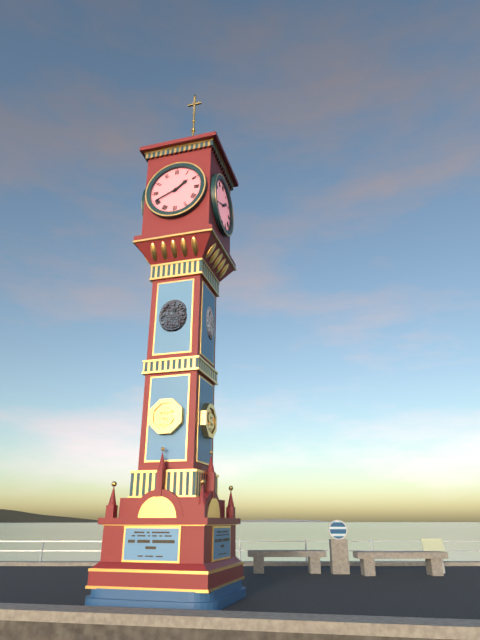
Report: 1:41
